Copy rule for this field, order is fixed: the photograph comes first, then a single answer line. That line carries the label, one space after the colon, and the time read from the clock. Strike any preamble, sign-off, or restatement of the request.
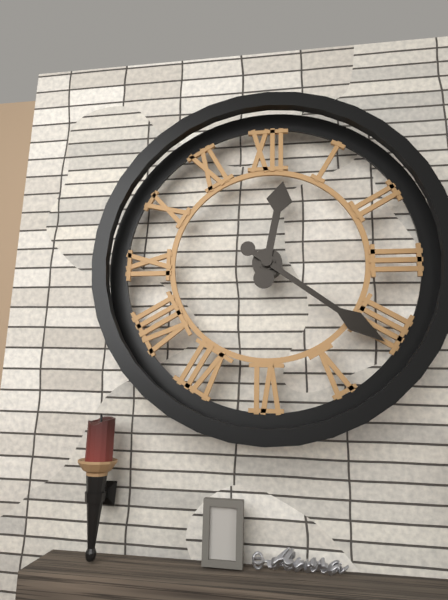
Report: 12:21
